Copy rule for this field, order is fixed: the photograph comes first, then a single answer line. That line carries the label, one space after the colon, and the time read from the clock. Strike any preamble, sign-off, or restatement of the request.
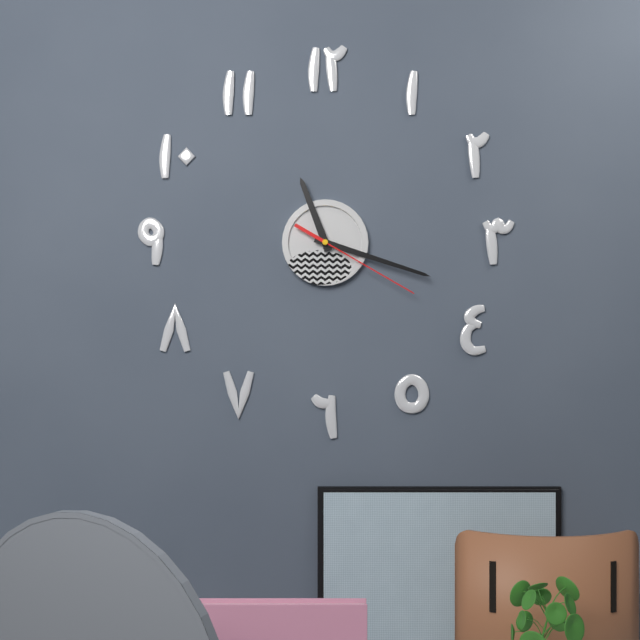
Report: 11:18:20
